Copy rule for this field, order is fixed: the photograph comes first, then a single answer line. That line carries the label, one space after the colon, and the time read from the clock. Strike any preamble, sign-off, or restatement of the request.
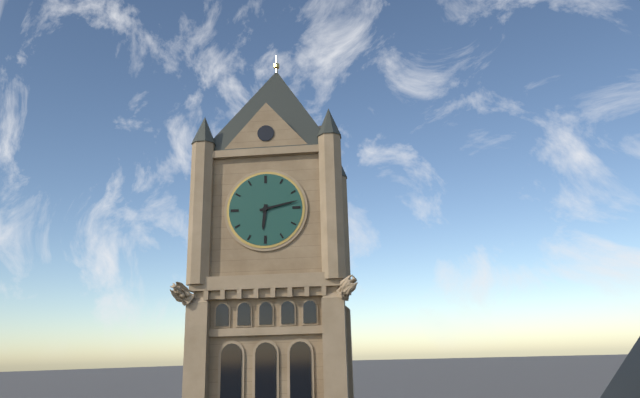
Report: 6:13
